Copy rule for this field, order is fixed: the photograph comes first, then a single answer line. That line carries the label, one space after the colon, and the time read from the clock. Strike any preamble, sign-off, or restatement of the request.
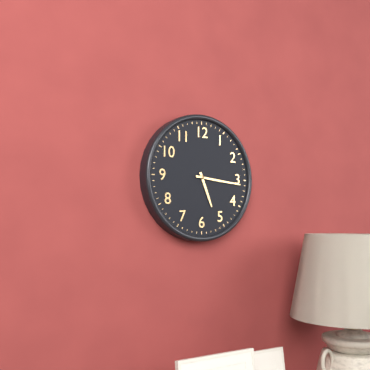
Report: 5:16
